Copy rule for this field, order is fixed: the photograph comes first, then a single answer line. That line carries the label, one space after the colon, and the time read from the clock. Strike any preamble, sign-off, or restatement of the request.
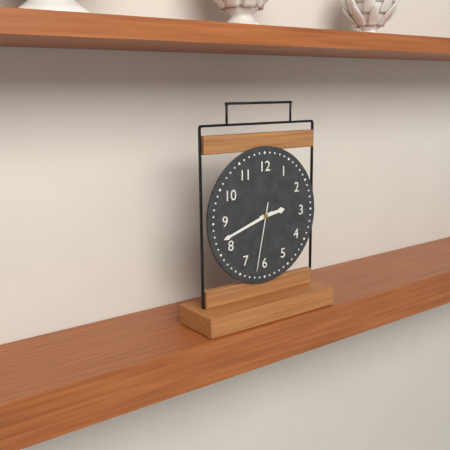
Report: 2:42:32
